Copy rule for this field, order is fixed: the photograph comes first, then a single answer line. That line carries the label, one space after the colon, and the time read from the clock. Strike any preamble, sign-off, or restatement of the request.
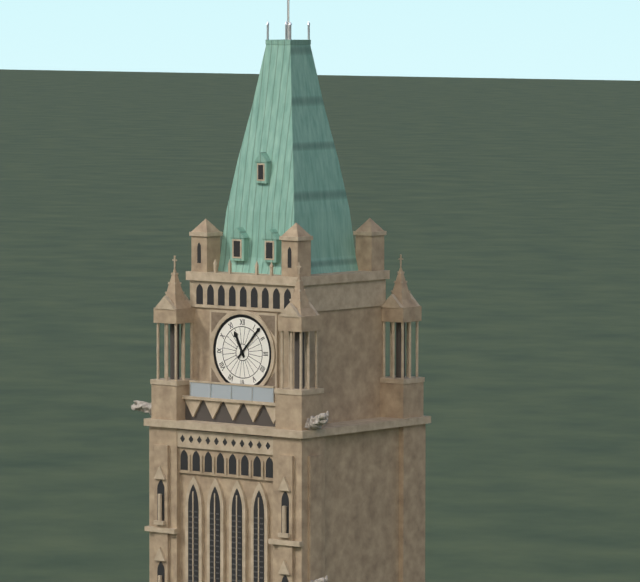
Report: 11:07
